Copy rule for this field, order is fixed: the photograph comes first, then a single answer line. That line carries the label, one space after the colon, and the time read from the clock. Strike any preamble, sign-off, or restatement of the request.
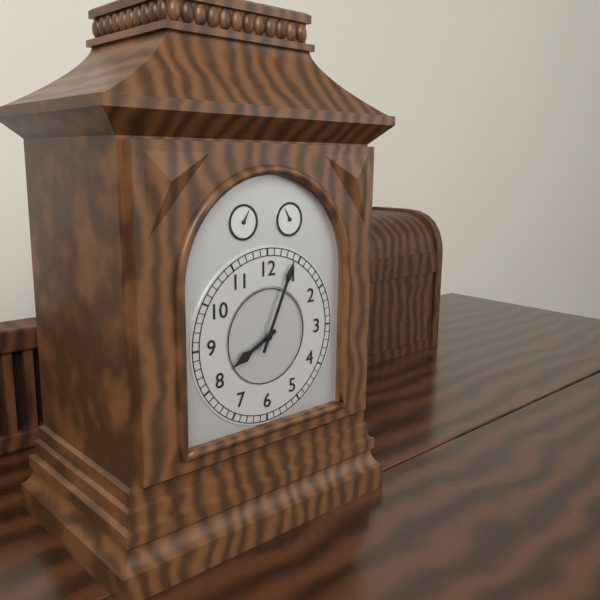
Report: 8:04
